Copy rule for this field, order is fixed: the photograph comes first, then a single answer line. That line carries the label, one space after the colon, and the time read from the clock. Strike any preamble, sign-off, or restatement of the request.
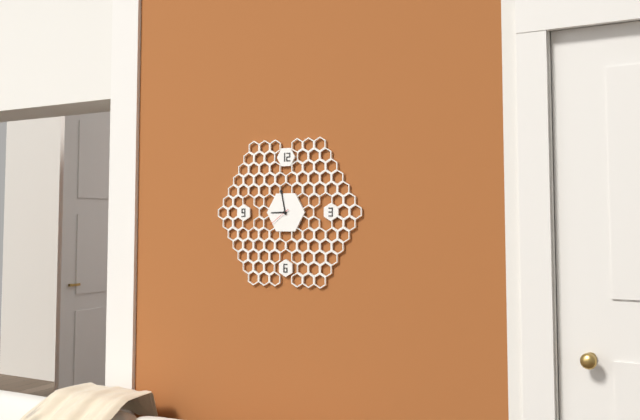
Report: 8:58
